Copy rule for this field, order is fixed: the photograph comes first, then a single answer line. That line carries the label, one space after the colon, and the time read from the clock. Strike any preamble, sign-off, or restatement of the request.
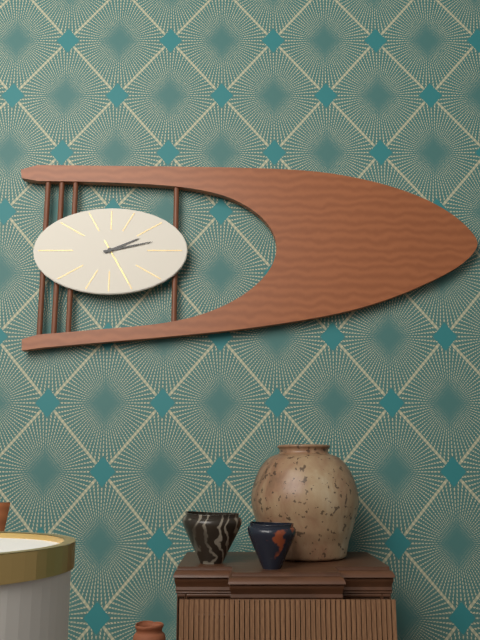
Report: 2:13:25
